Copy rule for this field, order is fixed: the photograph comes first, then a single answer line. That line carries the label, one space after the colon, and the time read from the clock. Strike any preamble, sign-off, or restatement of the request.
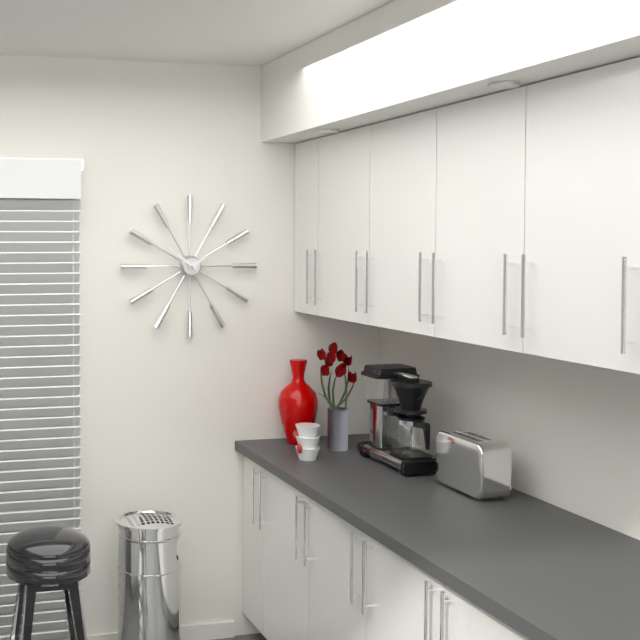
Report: 1:51
